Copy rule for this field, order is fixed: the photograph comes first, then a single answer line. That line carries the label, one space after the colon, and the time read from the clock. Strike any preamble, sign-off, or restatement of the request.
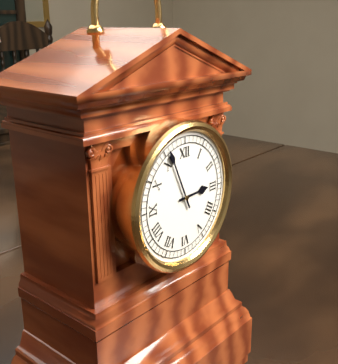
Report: 2:56
